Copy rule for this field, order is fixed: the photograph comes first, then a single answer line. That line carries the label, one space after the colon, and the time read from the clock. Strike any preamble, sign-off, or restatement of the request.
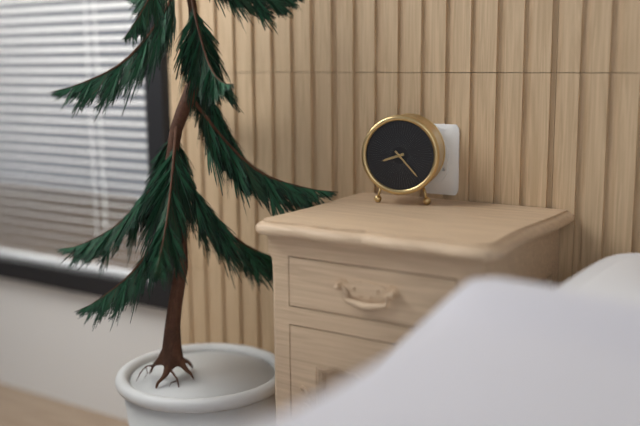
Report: 8:23
